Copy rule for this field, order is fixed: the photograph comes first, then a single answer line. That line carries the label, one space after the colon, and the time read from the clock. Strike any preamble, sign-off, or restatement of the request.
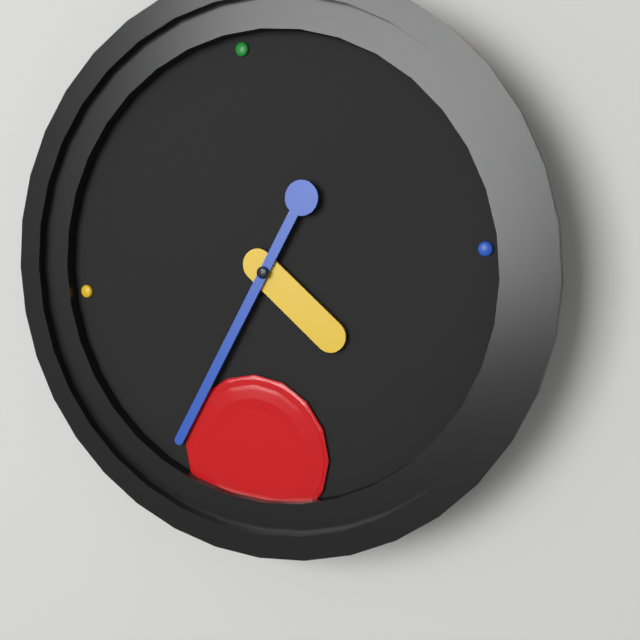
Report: 4:36
